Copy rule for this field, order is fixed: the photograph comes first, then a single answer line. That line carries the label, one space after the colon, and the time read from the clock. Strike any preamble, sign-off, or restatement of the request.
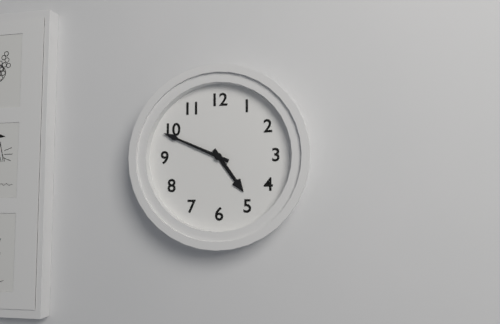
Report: 4:49
